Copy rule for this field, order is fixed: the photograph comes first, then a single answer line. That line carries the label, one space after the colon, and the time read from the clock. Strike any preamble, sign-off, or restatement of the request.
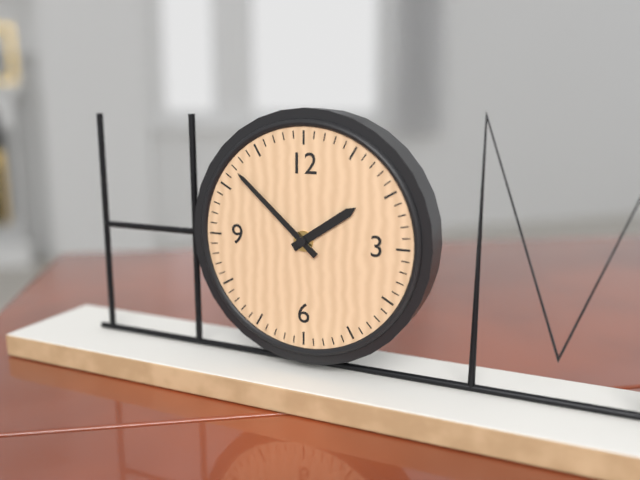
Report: 1:52
